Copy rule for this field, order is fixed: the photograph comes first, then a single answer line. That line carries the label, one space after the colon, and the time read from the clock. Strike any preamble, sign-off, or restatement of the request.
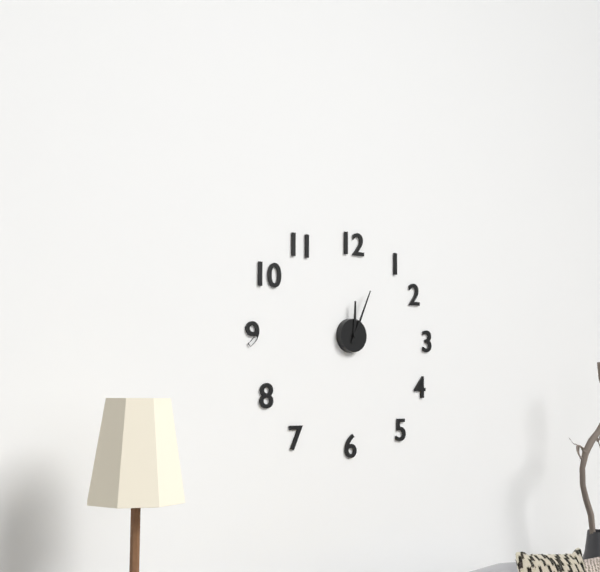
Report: 12:04
